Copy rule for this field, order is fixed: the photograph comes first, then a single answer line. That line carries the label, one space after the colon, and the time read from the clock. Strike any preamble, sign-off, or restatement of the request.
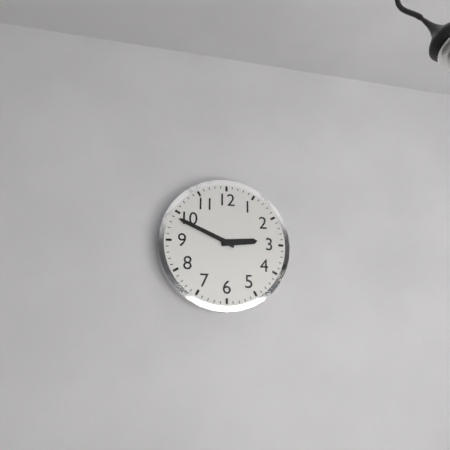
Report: 2:49
